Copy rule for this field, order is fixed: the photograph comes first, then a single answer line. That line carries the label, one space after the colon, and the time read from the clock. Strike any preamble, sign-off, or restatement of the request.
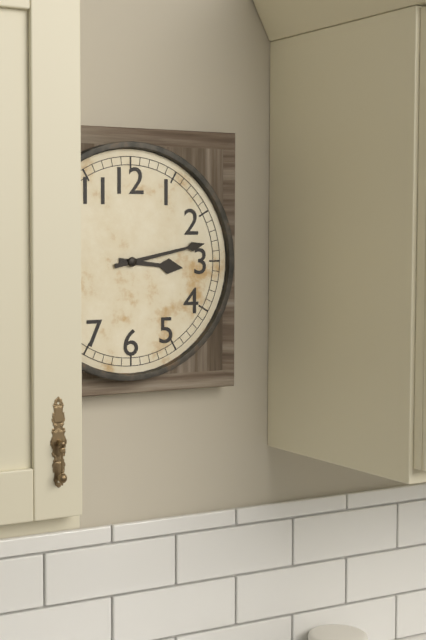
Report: 3:13
